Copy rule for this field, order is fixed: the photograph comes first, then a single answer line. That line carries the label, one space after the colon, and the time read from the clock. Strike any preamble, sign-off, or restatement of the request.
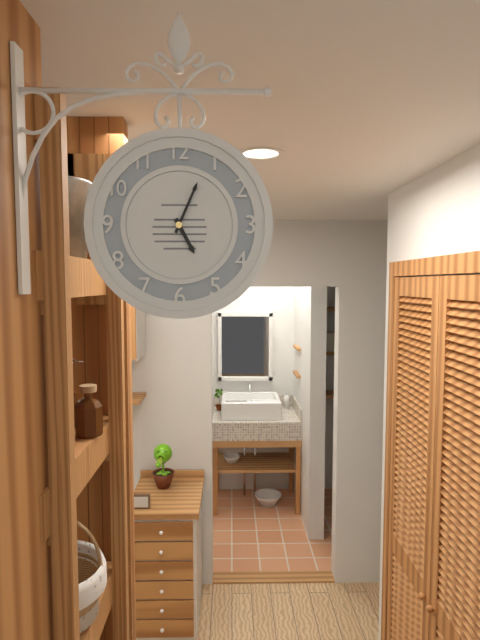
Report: 5:04
